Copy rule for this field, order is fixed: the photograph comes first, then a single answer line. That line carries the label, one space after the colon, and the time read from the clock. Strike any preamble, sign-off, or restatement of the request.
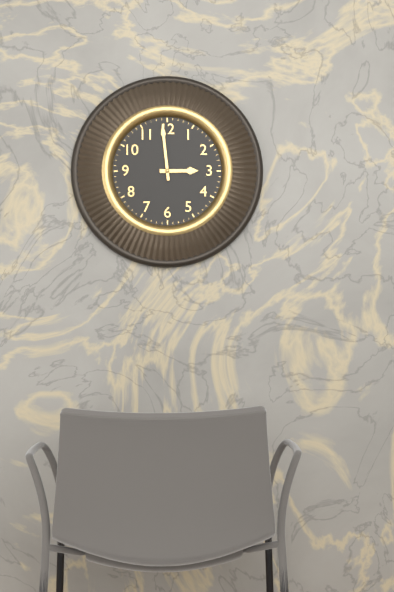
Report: 2:59
